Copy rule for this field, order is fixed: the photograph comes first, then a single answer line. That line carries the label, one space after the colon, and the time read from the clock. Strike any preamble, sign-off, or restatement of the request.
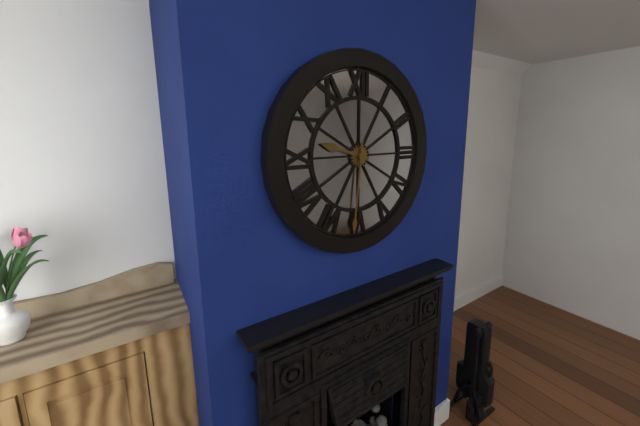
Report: 9:31
